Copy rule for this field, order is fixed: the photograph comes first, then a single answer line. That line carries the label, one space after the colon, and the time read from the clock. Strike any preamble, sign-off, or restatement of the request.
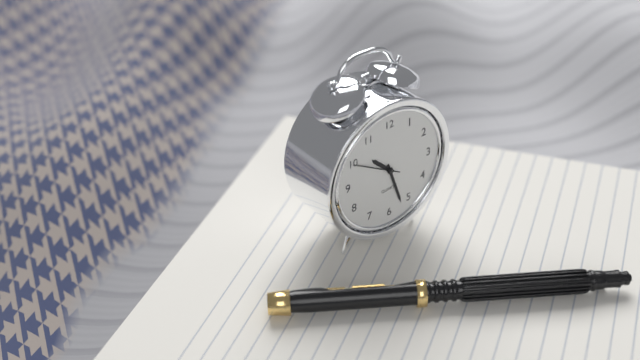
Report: 10:27
